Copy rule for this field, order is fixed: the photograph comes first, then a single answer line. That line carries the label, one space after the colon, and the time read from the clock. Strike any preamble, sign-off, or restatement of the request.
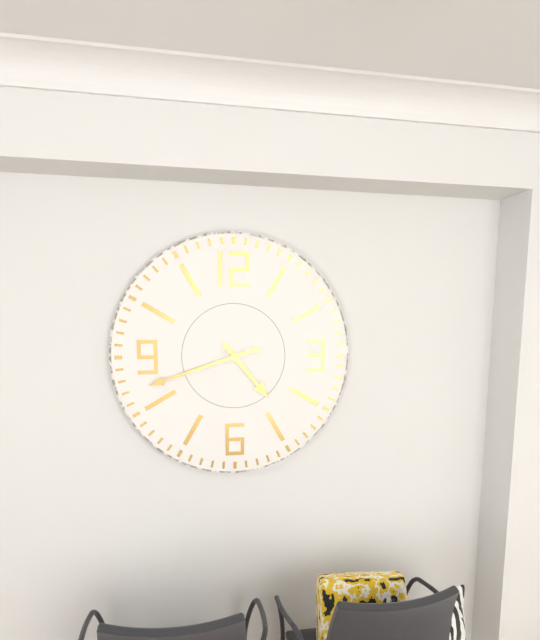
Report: 4:42
